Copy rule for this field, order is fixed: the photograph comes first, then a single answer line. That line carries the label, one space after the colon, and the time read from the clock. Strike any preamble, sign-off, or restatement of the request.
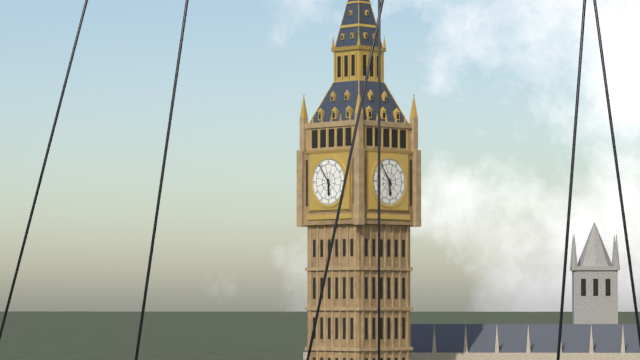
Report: 5:54
